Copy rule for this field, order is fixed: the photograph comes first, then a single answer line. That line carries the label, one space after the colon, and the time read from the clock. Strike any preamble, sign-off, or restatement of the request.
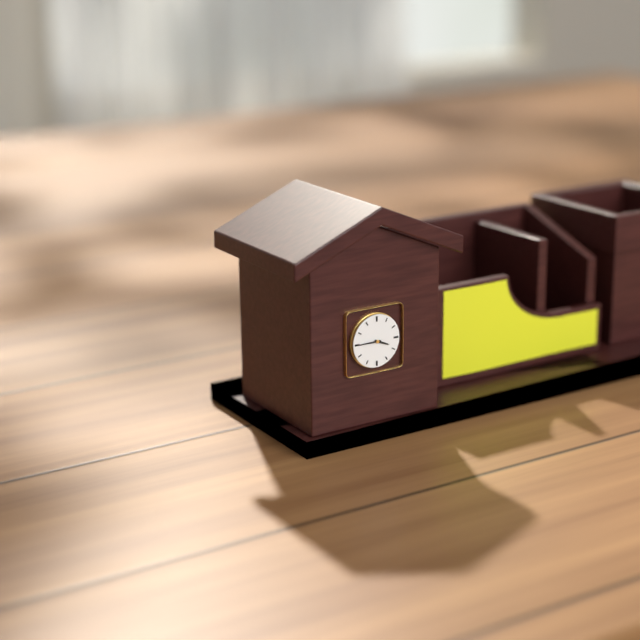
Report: 3:45
